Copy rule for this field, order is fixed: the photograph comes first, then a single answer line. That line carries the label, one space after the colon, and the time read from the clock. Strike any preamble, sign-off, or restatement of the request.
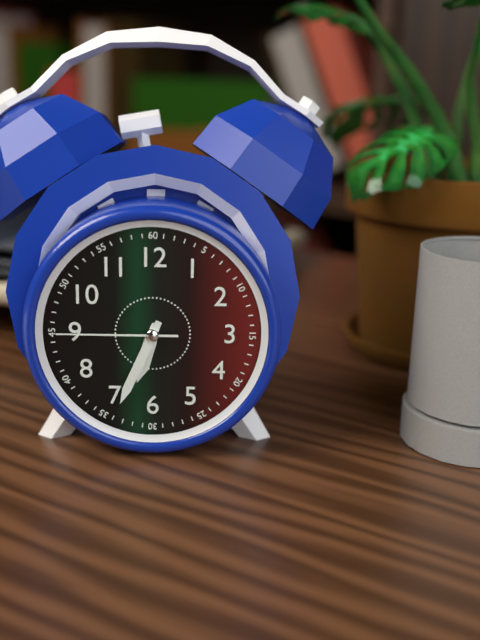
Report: 6:34:45
